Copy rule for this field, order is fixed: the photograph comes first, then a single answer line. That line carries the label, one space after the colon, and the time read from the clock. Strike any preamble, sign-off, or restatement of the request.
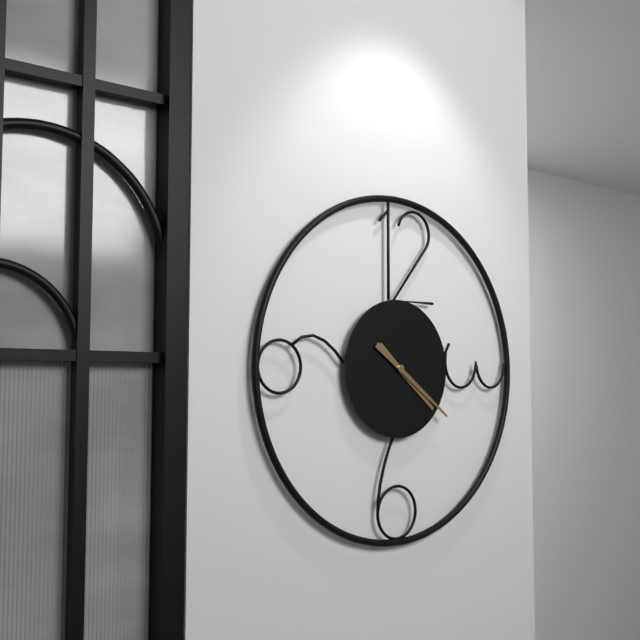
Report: 4:21
